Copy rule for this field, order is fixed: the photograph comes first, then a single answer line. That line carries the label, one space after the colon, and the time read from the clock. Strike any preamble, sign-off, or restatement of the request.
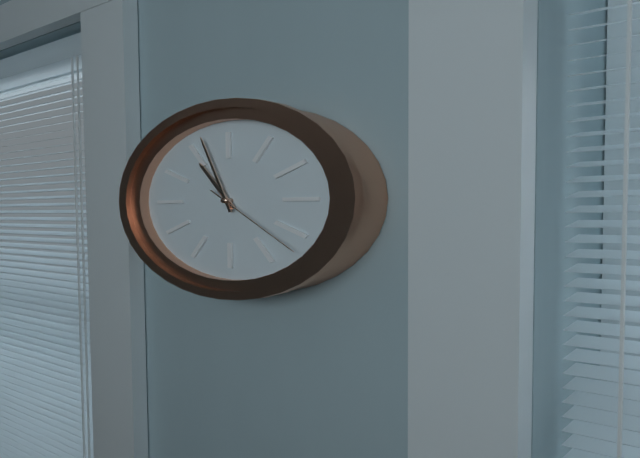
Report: 10:57:22
